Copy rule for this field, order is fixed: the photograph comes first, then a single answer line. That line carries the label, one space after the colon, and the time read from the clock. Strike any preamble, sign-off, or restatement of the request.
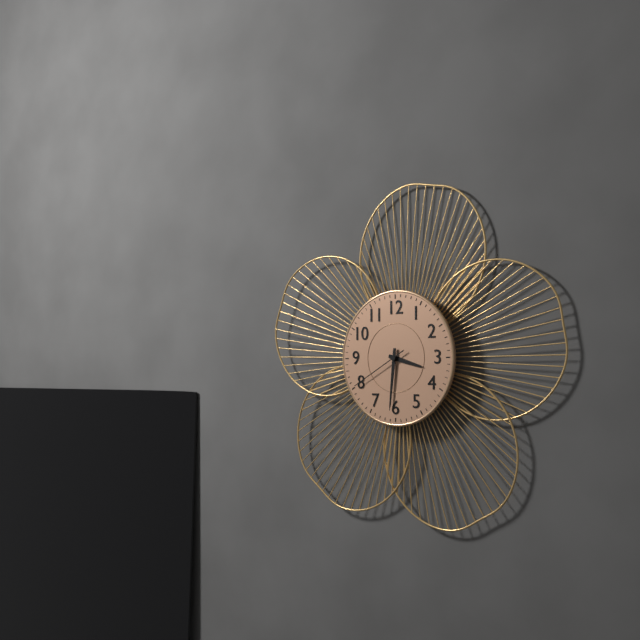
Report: 3:31:40
